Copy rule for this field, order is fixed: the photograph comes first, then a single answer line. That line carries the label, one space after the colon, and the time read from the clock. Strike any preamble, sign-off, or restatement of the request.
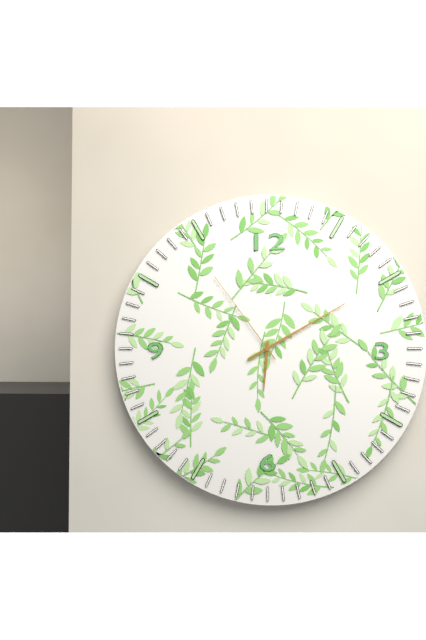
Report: 6:10:54
